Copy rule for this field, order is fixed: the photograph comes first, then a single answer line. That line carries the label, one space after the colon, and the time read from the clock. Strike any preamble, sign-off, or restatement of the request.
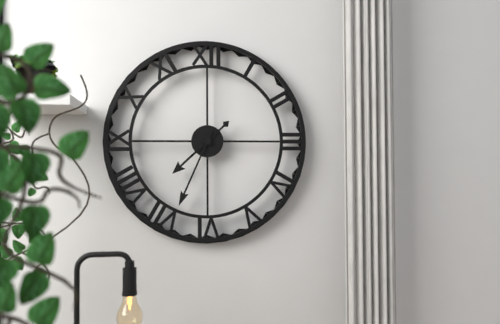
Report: 7:34
